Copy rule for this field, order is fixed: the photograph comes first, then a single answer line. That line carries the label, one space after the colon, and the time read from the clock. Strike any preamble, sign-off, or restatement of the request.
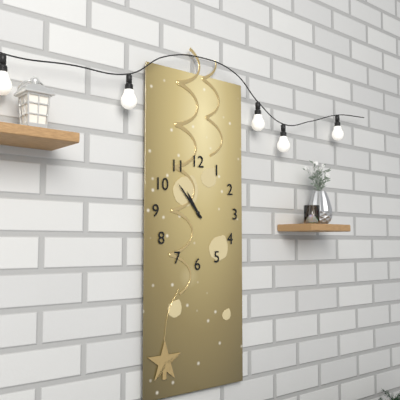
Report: 10:53
